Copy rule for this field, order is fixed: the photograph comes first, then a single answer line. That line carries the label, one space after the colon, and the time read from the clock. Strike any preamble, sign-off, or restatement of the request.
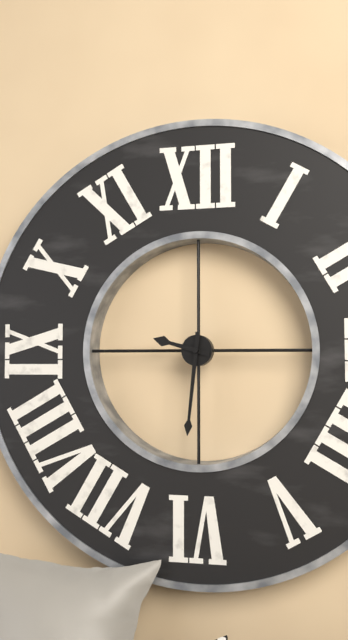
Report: 9:31
